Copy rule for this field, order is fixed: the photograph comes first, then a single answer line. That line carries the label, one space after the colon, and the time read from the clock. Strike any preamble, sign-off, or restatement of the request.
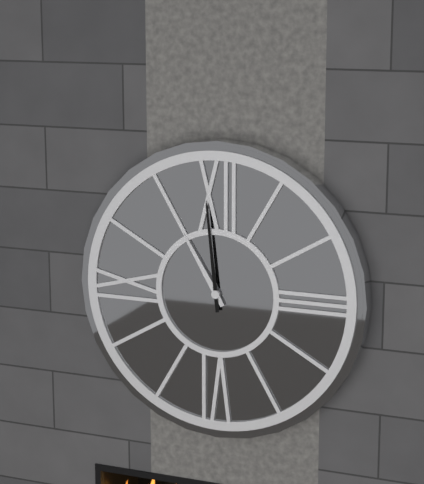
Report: 10:59
